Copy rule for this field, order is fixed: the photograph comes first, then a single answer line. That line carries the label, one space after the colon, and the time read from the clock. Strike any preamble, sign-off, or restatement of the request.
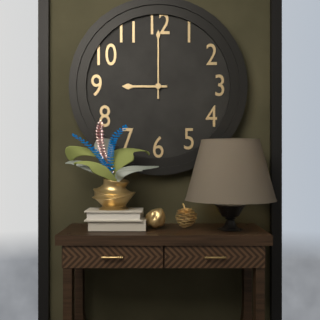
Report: 9:00
